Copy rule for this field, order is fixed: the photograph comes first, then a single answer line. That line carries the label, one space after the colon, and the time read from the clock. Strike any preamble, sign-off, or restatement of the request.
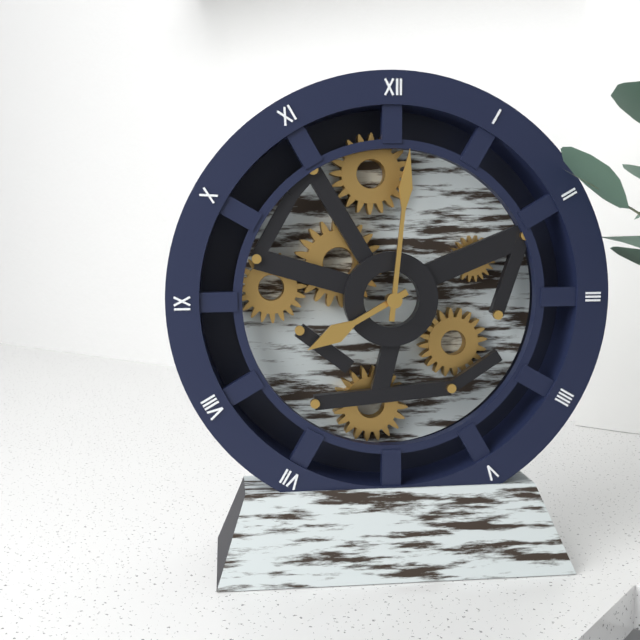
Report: 8:01
